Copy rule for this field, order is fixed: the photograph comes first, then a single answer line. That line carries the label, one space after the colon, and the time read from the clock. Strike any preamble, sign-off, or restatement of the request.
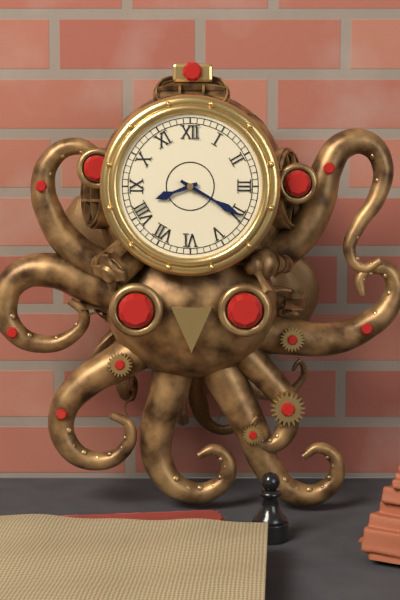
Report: 8:20
